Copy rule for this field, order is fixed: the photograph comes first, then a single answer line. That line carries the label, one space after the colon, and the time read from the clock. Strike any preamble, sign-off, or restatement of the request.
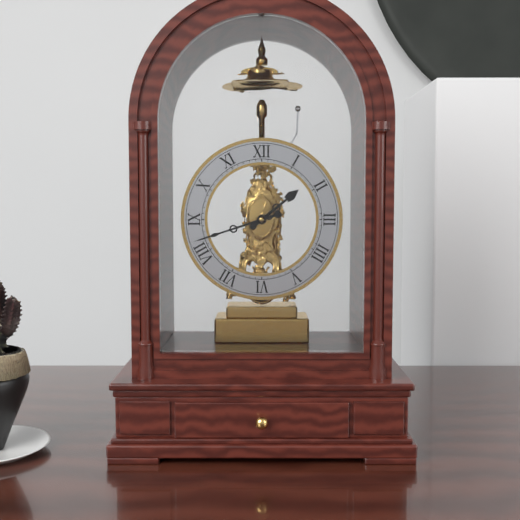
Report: 1:42
